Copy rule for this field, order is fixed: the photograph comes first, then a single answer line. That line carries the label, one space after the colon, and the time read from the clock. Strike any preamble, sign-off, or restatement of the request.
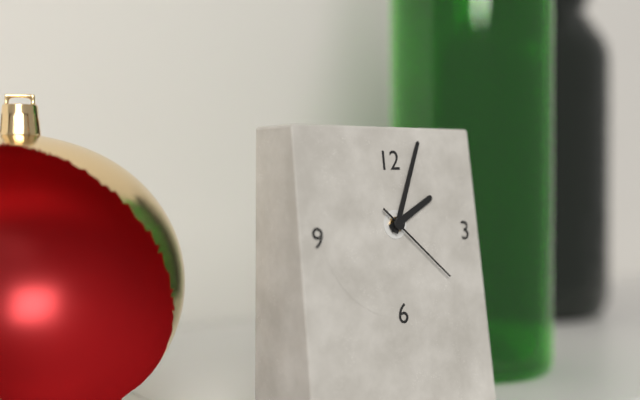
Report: 2:04:22
